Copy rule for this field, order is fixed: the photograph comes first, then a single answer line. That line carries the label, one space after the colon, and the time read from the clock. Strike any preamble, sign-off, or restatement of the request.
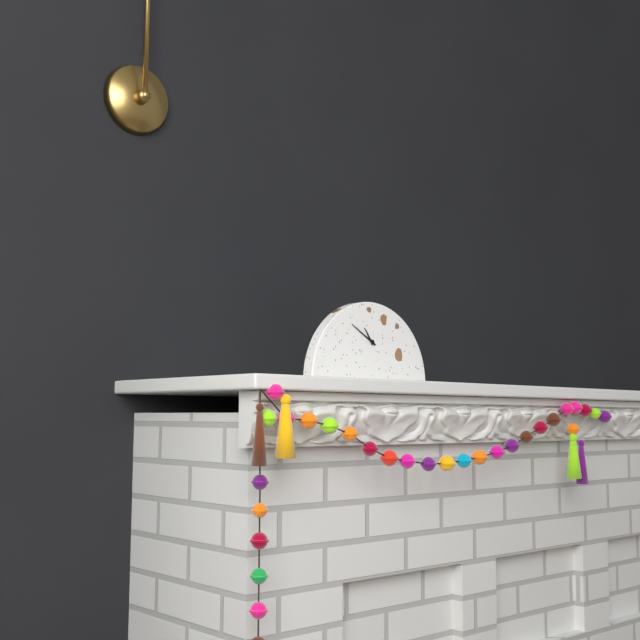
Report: 10:50
